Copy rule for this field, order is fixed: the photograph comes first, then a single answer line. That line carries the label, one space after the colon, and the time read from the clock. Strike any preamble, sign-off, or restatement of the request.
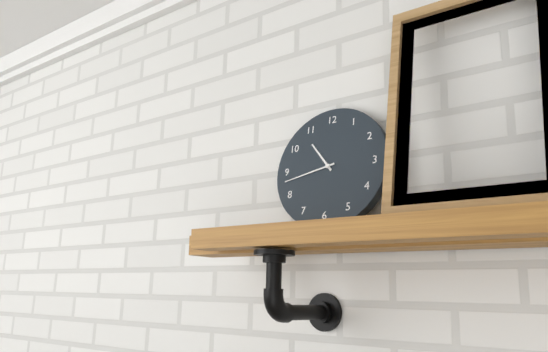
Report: 10:43
